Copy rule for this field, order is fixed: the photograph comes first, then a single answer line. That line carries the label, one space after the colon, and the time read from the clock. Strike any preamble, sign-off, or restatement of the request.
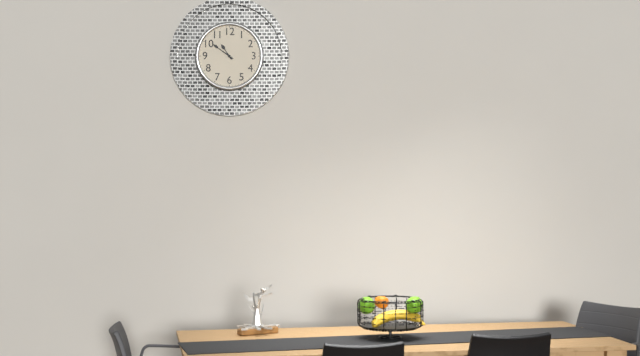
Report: 10:51
